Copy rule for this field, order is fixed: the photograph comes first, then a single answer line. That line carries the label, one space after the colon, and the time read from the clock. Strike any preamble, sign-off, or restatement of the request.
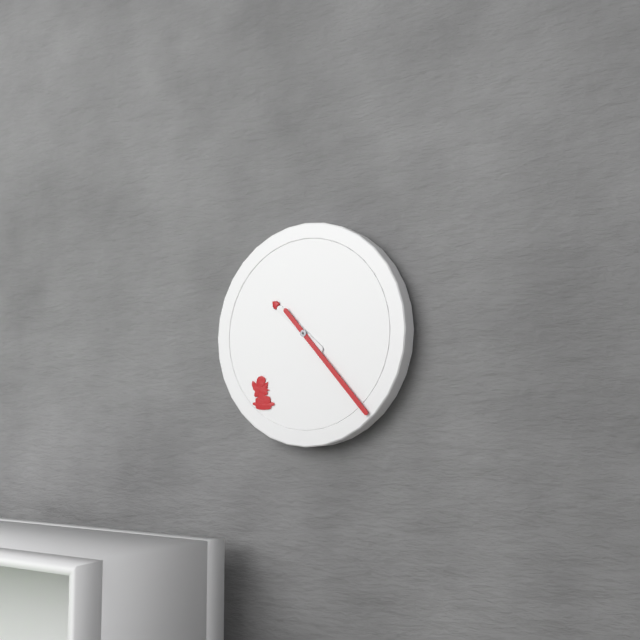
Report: 10:23
